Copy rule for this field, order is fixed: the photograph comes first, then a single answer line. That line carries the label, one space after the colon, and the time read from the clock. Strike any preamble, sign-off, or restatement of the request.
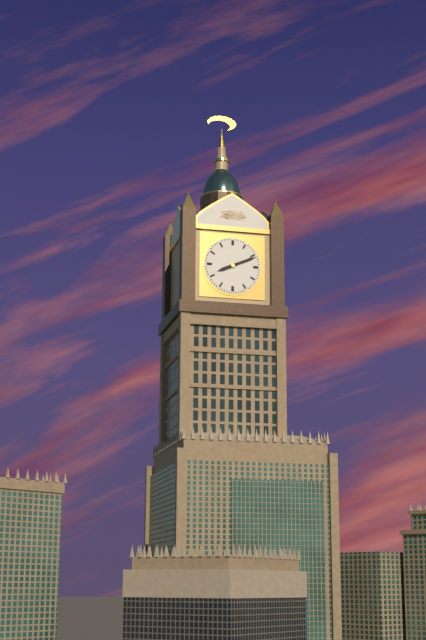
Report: 8:11
